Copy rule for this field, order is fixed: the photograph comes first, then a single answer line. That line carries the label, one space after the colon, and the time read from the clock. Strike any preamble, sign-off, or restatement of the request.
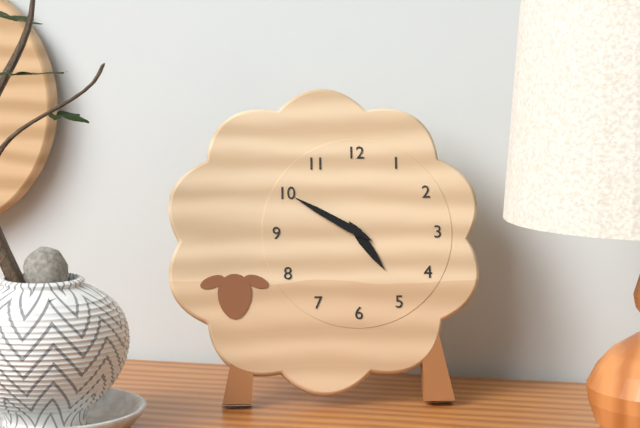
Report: 4:50
